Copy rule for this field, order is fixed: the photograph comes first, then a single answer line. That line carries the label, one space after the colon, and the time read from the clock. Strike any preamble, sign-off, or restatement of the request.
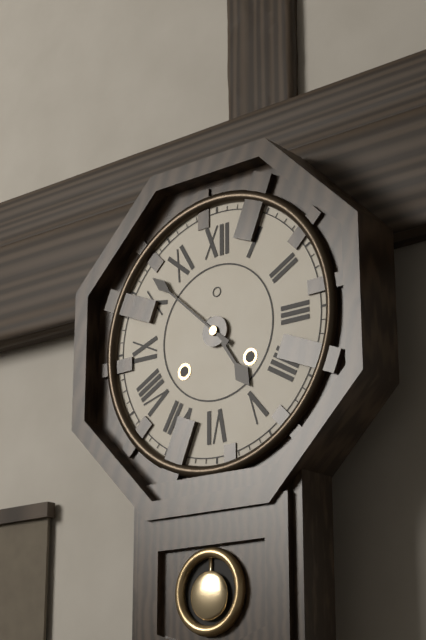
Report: 4:52
